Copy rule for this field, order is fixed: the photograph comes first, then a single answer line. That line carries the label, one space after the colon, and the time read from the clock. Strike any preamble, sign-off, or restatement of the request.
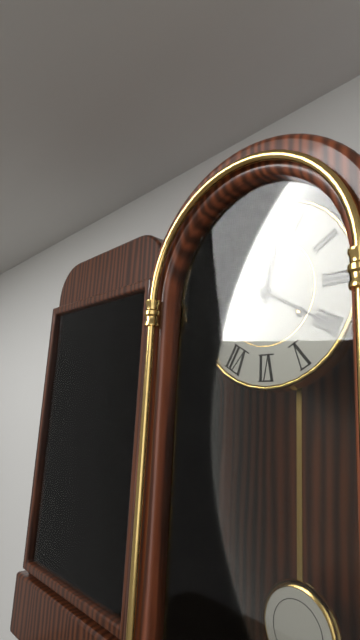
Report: 12:20
